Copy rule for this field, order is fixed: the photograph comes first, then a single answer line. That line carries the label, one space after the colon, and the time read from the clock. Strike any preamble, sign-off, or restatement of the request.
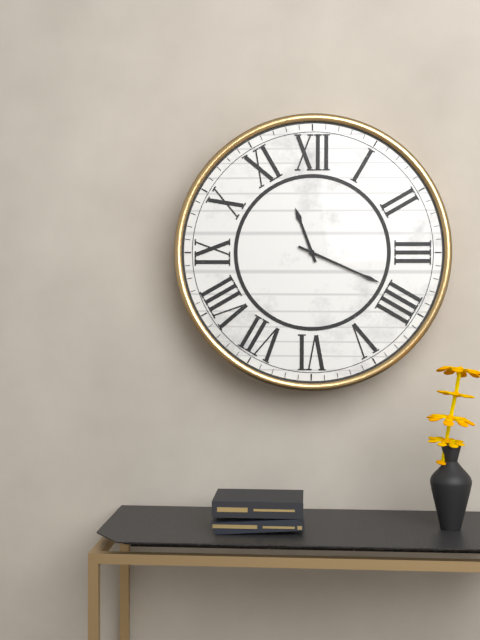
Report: 11:19
